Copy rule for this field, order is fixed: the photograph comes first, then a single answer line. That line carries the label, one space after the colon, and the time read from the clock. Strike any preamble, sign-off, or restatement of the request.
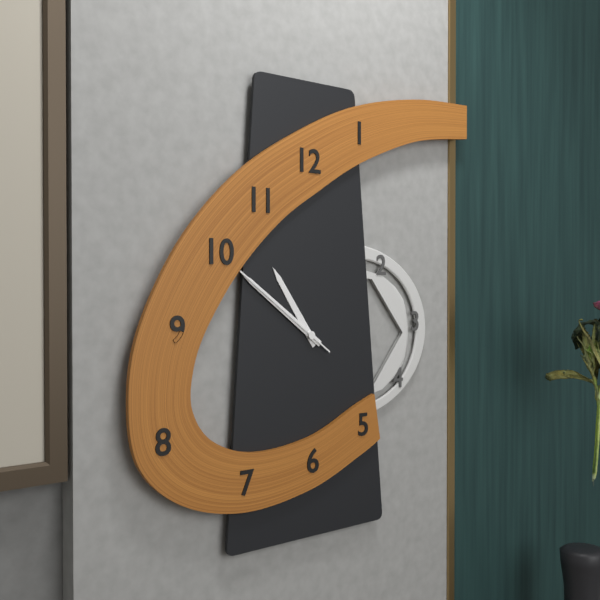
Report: 10:51:51
